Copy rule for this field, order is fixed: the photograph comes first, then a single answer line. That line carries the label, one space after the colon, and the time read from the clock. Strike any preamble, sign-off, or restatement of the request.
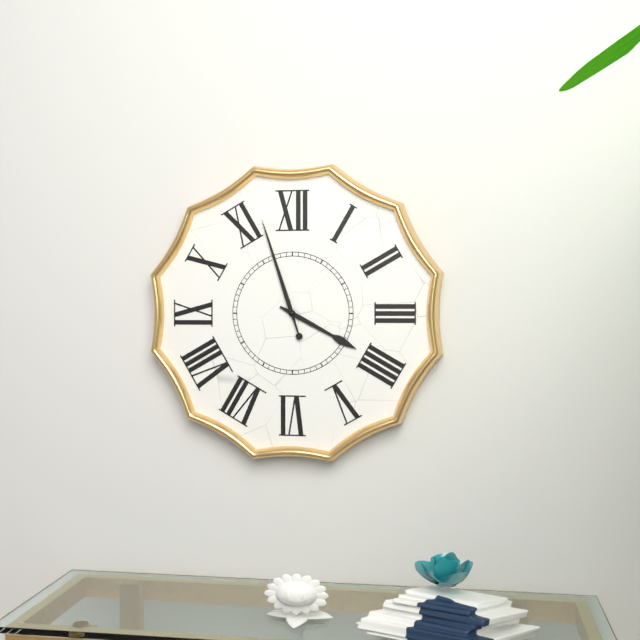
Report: 3:57
